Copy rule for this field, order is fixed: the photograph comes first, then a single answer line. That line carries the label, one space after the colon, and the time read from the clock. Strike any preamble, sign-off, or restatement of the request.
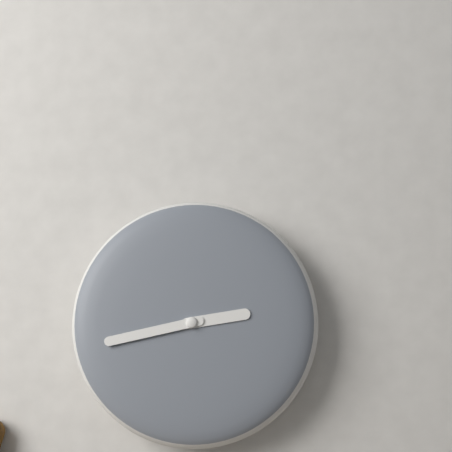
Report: 2:43
